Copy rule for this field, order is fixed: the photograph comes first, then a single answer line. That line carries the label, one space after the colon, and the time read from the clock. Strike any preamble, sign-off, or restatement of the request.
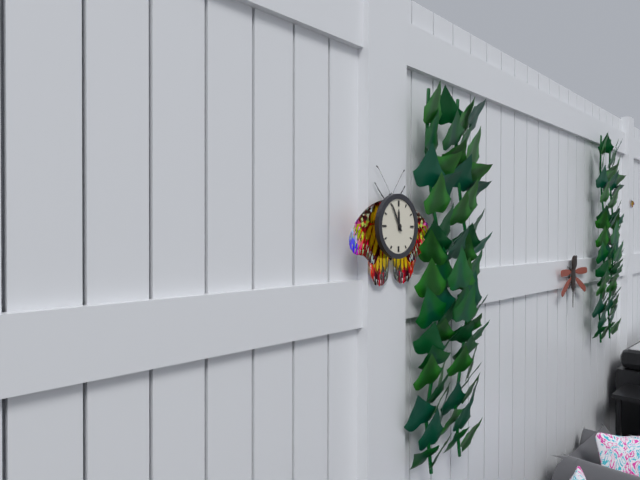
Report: 11:55
